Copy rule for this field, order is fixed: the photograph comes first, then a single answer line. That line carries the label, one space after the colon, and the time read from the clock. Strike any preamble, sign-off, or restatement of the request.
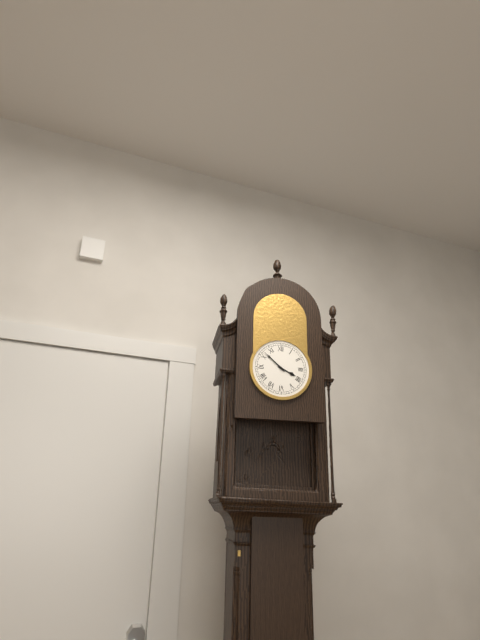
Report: 3:52
